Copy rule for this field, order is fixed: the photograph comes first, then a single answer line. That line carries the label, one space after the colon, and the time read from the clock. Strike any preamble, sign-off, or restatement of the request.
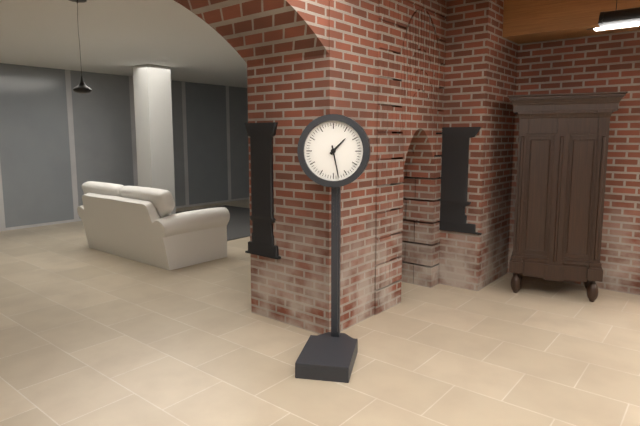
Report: 1:28
